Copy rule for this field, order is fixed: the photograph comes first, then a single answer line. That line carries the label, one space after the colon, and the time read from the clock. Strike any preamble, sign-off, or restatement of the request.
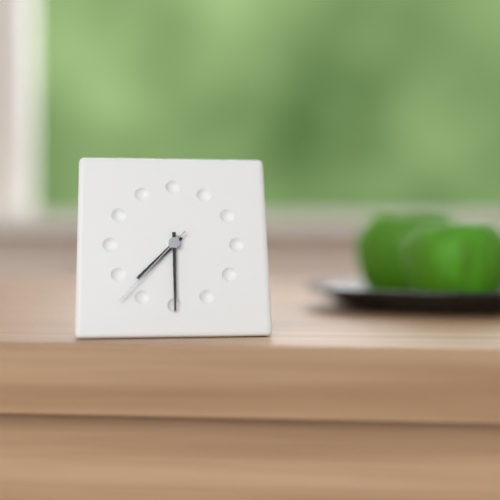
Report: 7:30:37
